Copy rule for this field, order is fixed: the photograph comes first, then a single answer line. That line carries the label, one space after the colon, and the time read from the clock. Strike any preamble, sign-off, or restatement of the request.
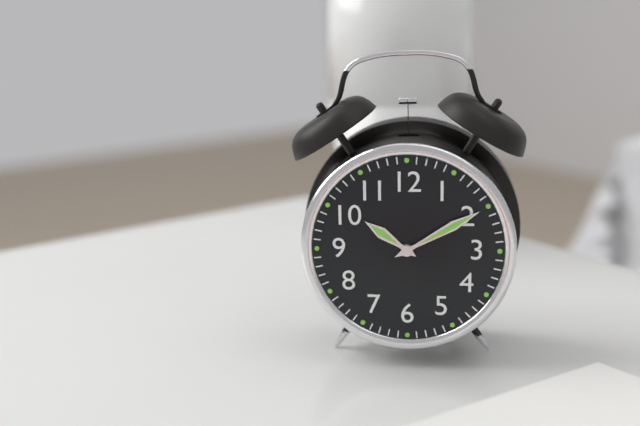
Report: 10:10
